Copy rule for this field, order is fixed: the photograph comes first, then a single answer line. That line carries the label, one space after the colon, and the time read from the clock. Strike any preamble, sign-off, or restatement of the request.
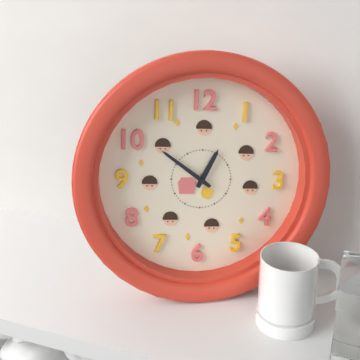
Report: 12:51
